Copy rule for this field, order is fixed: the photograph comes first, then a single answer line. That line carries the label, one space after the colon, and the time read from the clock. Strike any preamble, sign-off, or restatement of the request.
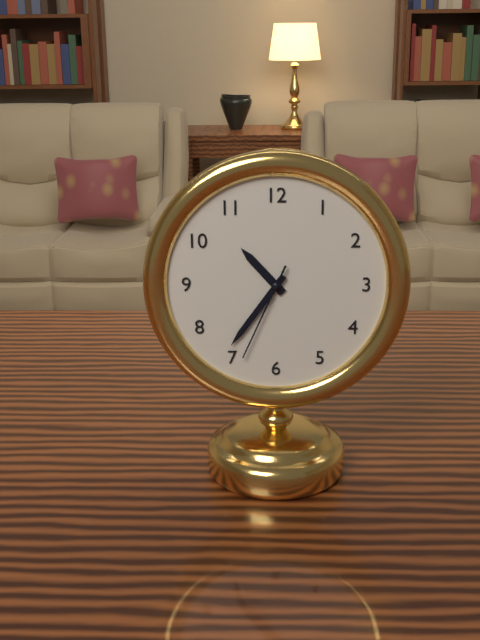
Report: 10:36:34
